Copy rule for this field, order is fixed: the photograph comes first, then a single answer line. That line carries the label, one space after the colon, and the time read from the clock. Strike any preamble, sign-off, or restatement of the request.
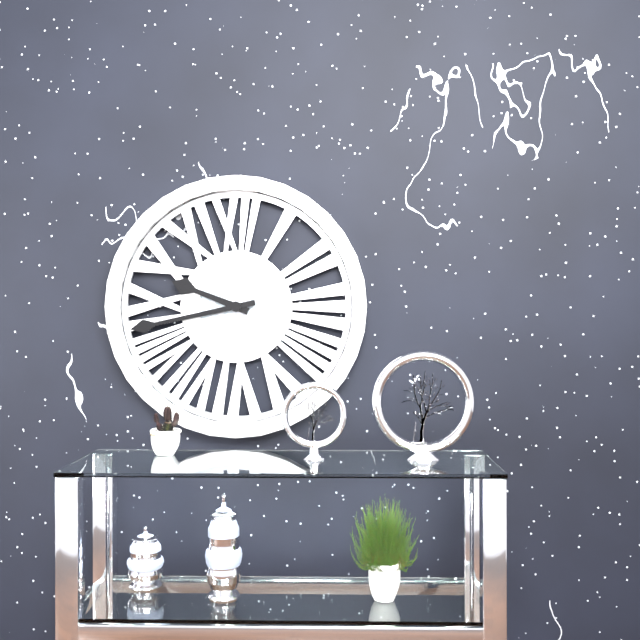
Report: 9:43
